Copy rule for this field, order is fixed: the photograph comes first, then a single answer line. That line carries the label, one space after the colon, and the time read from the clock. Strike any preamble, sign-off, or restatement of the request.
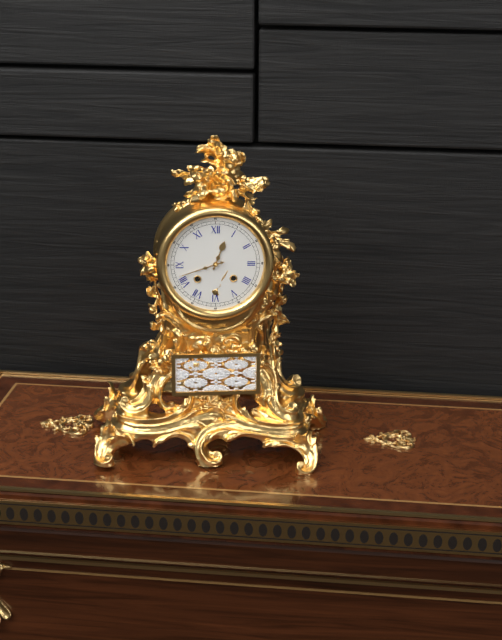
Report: 12:42
